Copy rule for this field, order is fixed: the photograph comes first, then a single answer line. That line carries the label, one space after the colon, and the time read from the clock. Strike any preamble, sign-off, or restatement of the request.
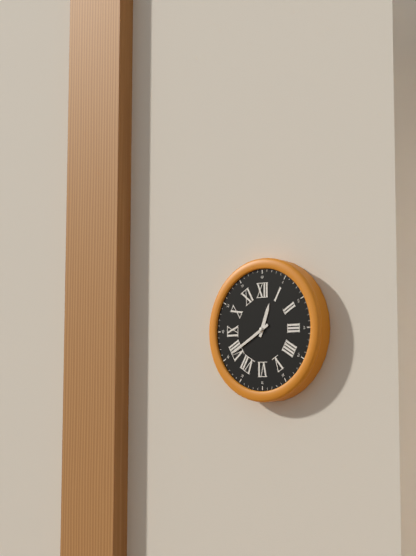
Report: 12:40
